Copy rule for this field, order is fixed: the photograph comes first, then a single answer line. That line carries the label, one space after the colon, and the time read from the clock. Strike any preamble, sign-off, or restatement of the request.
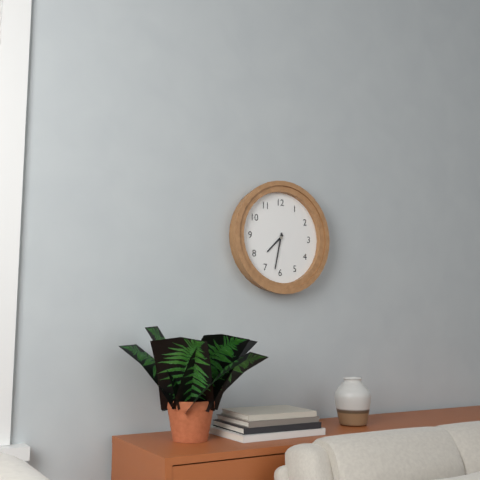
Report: 7:32
